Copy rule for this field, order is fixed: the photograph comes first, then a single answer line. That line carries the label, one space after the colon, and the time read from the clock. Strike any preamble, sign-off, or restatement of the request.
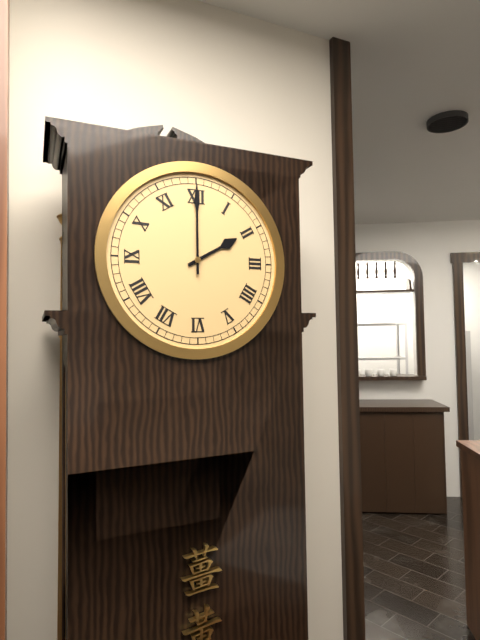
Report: 2:00
